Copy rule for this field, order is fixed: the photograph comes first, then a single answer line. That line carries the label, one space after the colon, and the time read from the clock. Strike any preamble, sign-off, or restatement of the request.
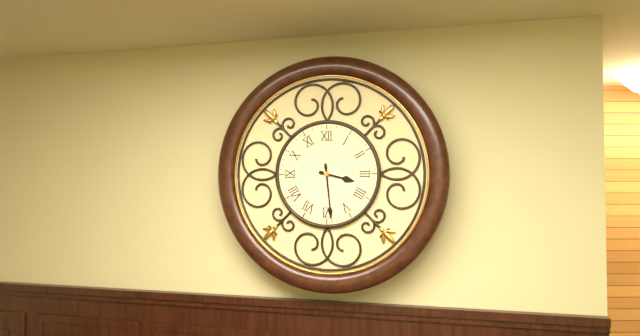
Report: 3:29
